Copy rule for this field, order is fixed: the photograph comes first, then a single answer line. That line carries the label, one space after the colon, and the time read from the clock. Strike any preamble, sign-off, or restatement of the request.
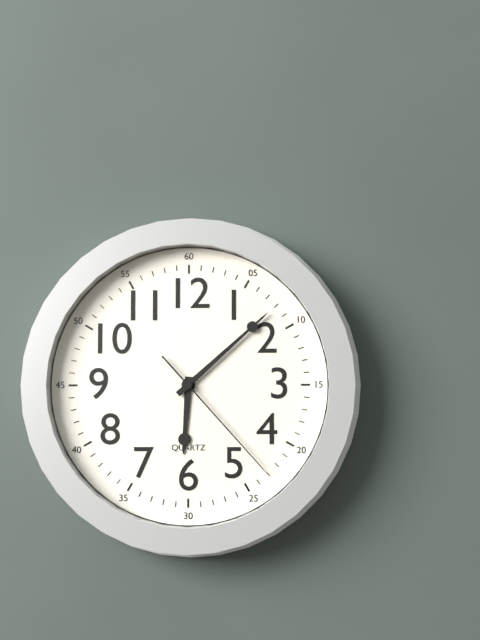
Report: 6:08:23
